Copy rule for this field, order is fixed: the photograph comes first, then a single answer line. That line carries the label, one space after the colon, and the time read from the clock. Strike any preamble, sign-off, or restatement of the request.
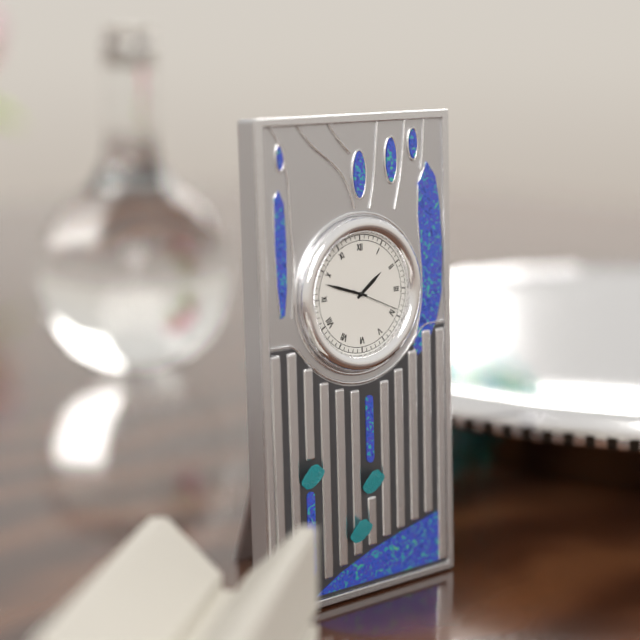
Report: 1:48:19
